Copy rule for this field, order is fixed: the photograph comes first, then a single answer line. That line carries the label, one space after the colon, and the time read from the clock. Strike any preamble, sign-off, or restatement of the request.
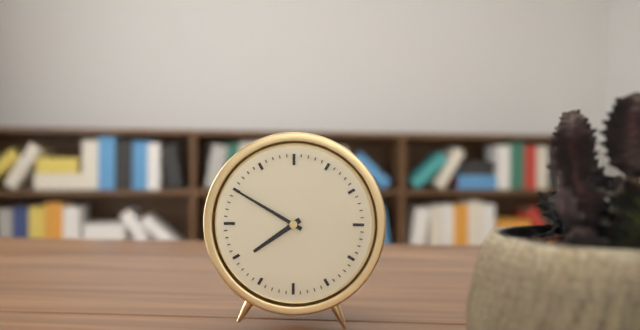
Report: 7:50
